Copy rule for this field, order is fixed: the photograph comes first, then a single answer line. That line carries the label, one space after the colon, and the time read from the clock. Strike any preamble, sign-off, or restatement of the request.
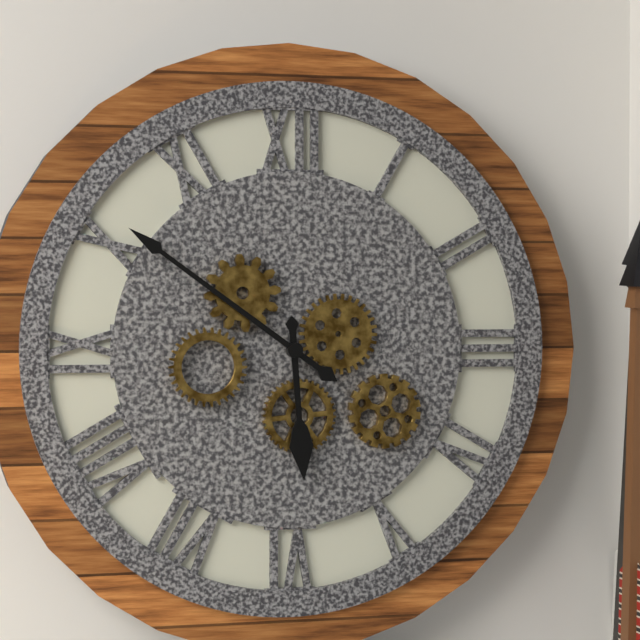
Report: 5:51
